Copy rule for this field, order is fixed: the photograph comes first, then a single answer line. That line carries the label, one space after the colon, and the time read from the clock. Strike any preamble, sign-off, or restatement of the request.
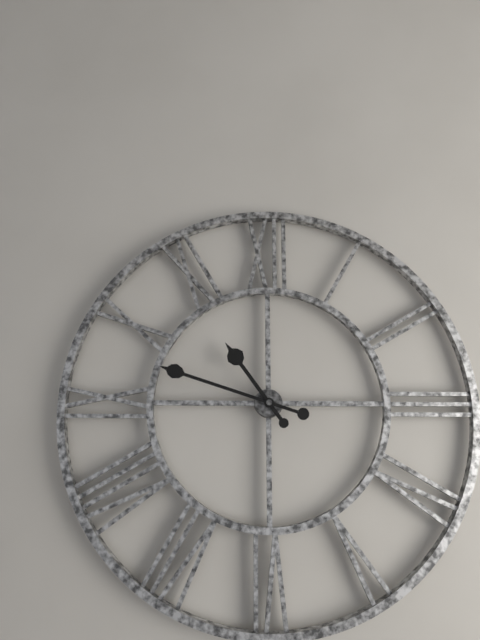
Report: 10:48
